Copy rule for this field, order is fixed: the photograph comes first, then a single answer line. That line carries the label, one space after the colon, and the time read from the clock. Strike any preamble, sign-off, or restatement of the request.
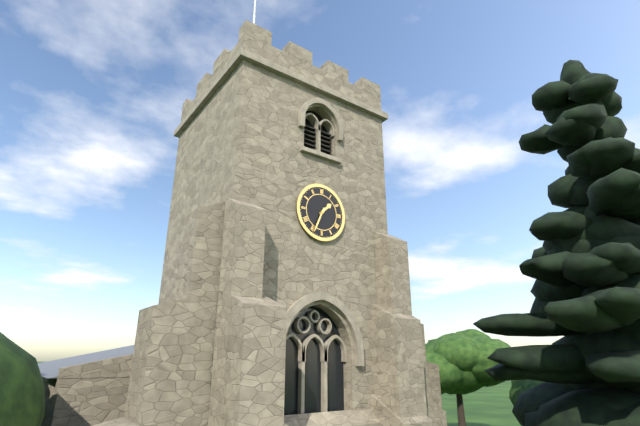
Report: 1:34
